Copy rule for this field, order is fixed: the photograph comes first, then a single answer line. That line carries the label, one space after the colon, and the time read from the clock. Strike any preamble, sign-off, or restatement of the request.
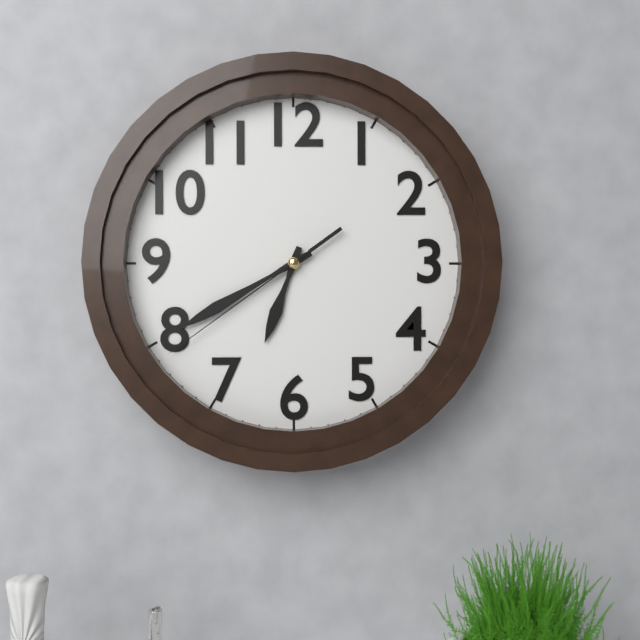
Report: 6:40:39
